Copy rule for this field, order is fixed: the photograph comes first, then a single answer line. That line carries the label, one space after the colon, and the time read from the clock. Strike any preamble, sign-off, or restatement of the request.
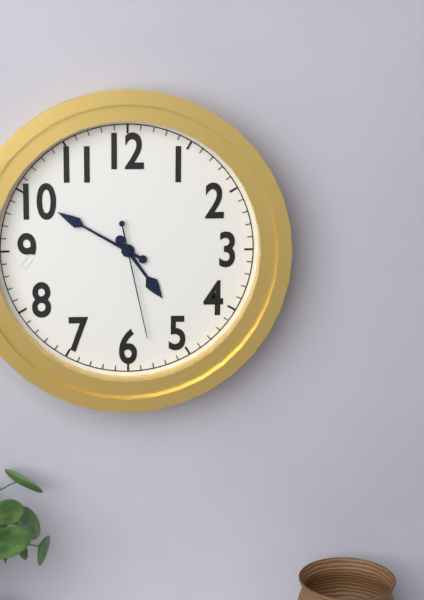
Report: 4:50:28
